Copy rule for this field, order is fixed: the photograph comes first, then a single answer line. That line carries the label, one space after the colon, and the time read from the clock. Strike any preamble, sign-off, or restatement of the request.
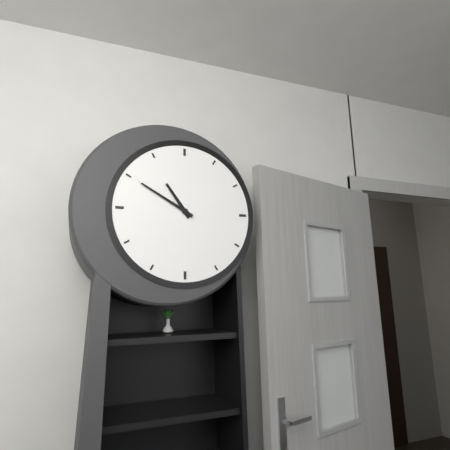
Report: 10:50
